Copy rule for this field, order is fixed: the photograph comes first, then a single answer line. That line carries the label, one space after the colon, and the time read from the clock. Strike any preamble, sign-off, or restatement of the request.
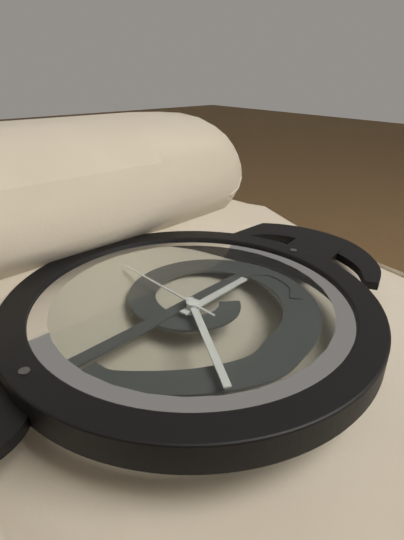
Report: 5:50:15
